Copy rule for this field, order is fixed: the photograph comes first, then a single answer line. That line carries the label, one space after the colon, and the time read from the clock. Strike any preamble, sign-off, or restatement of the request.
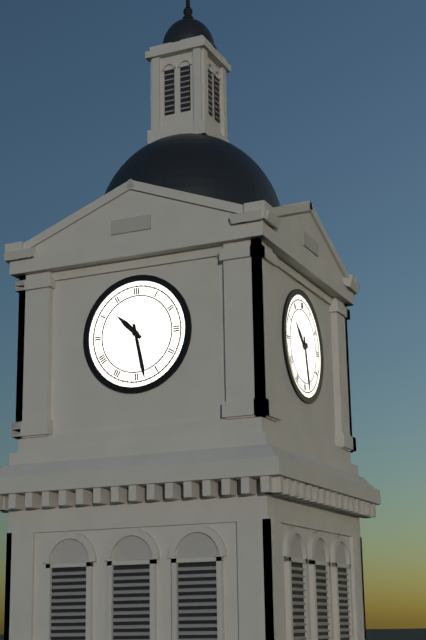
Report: 10:28
